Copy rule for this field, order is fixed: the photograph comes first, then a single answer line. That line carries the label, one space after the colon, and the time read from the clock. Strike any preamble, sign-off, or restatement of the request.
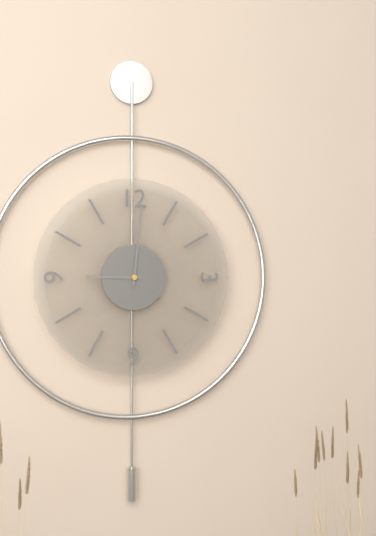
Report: 9:01
